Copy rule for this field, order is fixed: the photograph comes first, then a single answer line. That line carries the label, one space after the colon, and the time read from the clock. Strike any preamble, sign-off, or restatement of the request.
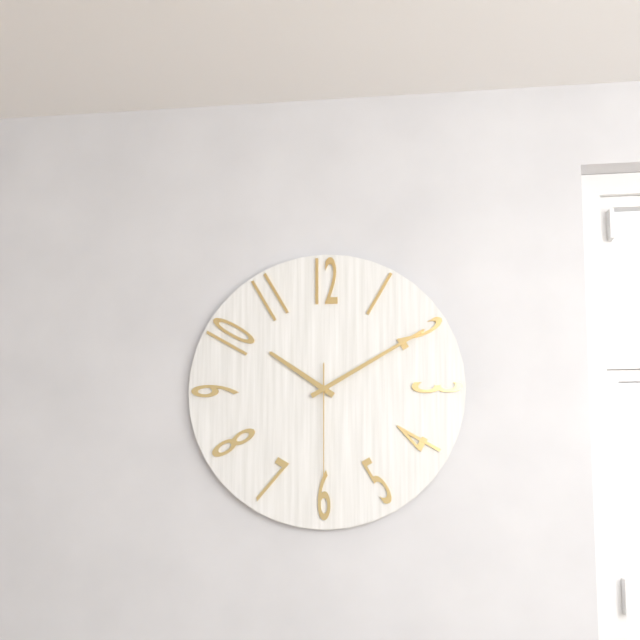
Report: 10:10:30
